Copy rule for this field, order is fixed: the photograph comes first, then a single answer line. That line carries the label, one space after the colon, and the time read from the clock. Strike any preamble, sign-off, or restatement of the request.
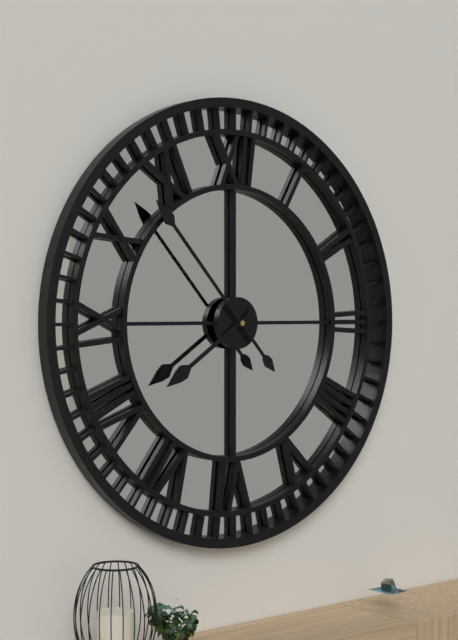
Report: 7:53
